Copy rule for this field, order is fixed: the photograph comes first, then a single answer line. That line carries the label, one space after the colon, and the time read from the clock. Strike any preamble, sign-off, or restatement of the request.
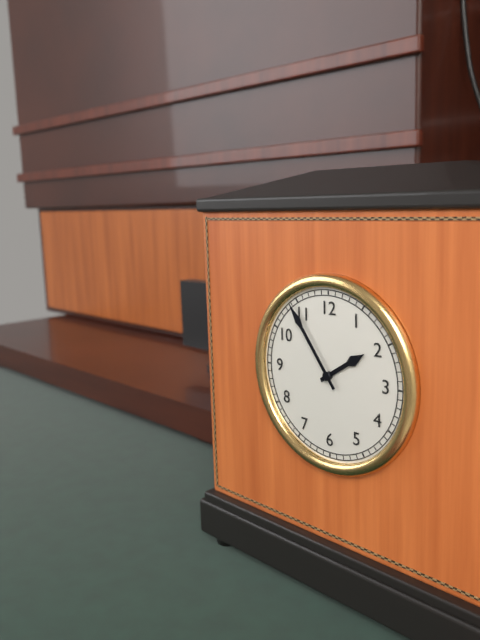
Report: 1:54
